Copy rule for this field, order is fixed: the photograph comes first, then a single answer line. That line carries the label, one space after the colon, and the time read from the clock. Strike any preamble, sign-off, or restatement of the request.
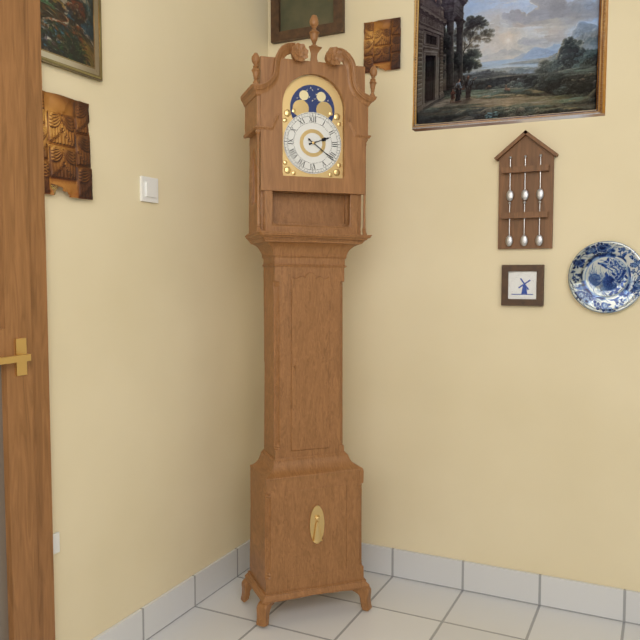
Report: 2:21
